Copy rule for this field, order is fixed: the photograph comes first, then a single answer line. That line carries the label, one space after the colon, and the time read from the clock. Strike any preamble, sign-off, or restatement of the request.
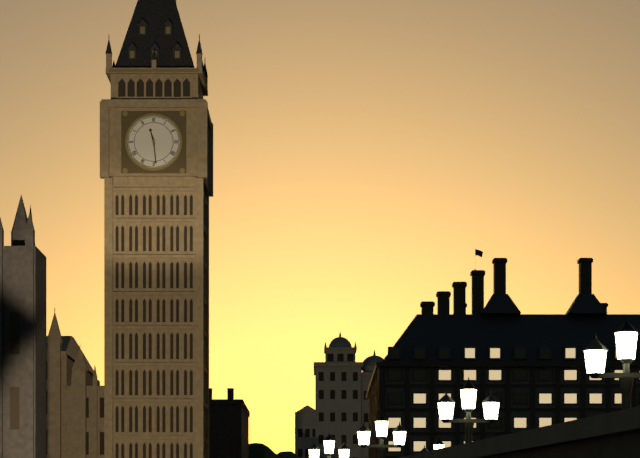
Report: 11:29
